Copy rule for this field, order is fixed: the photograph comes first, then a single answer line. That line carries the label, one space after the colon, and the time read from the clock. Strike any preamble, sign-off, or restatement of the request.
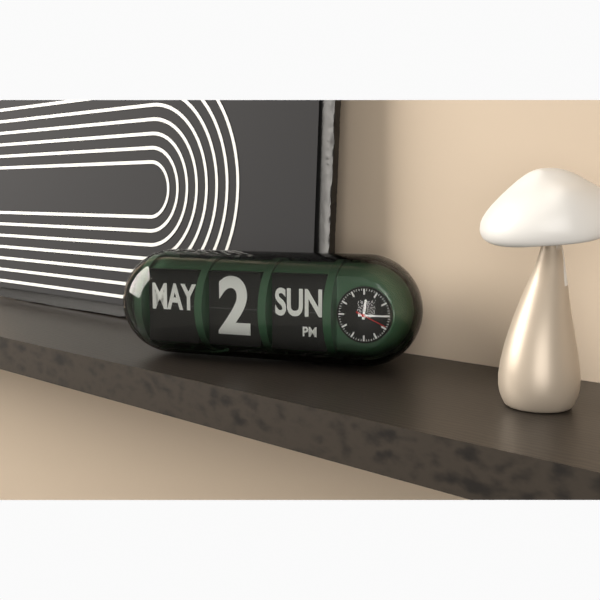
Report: 12:15
